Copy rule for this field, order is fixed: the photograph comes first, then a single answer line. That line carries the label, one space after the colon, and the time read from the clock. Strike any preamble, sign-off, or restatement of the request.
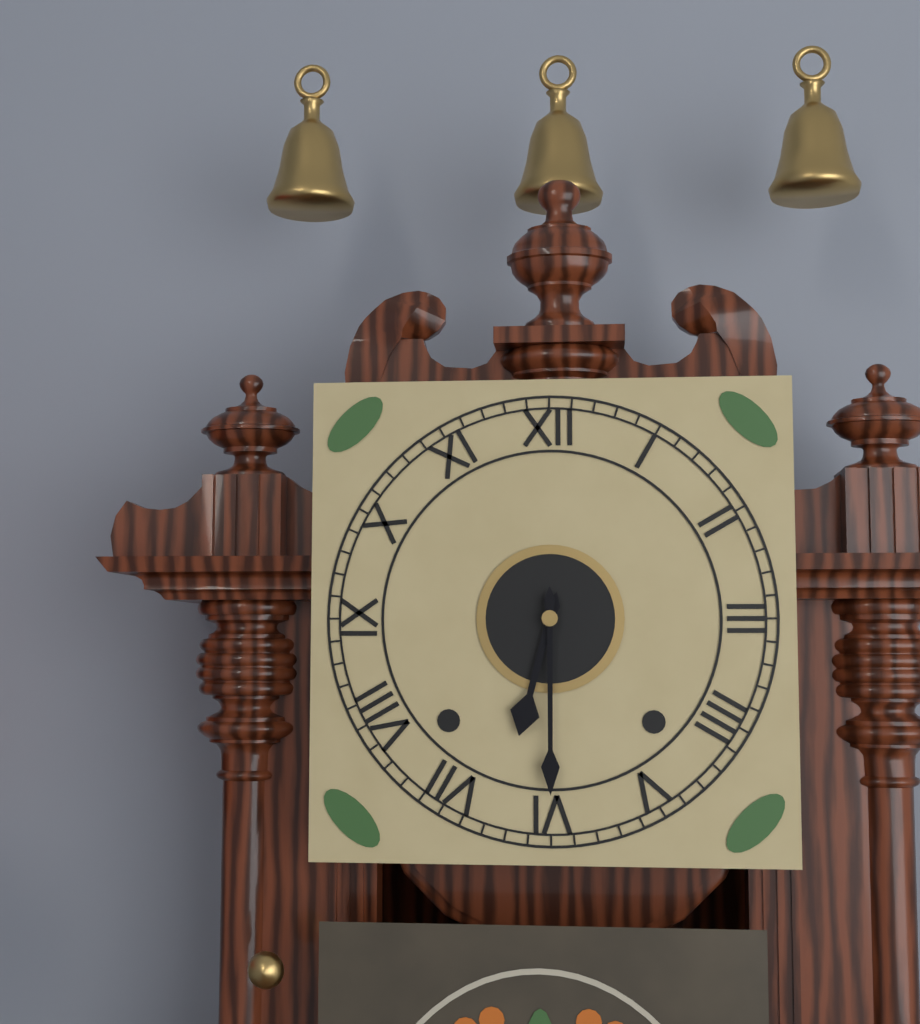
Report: 6:30
